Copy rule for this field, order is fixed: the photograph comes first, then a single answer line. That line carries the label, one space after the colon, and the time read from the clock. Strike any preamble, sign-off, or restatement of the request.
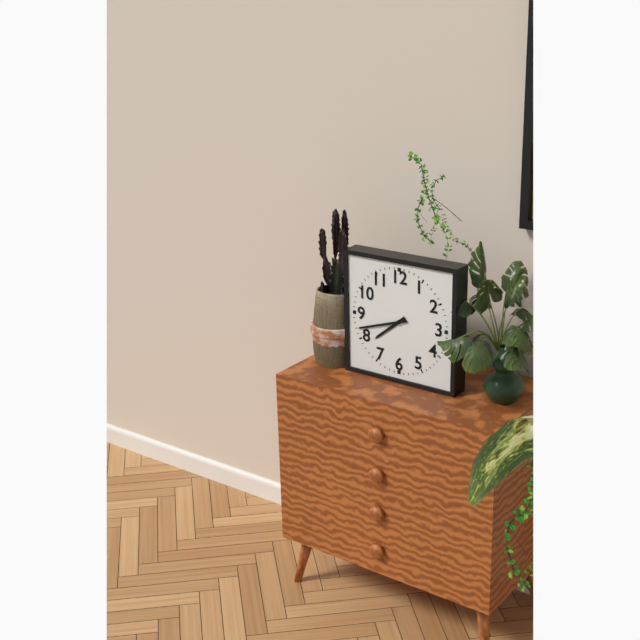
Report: 7:42
